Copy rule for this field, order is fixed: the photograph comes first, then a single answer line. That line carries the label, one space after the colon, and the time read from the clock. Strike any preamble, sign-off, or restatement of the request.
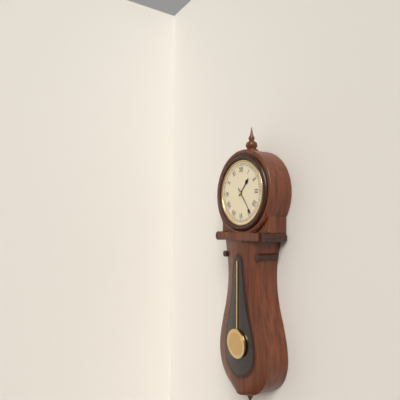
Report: 1:24
